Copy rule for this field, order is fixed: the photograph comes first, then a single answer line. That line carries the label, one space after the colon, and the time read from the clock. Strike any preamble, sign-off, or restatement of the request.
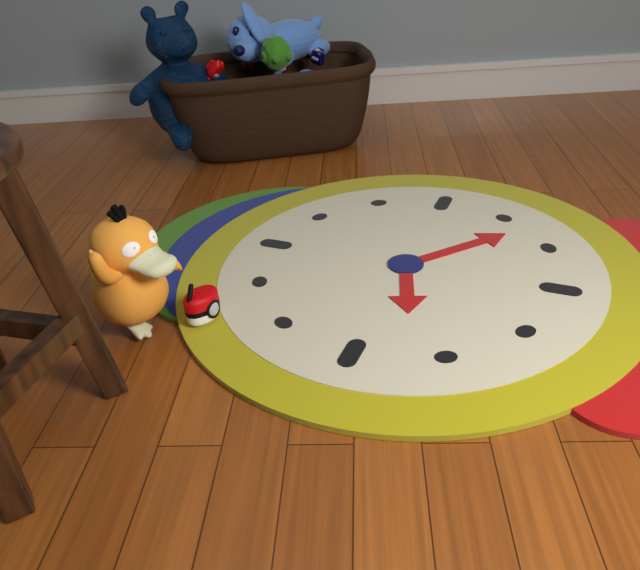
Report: 8:22
